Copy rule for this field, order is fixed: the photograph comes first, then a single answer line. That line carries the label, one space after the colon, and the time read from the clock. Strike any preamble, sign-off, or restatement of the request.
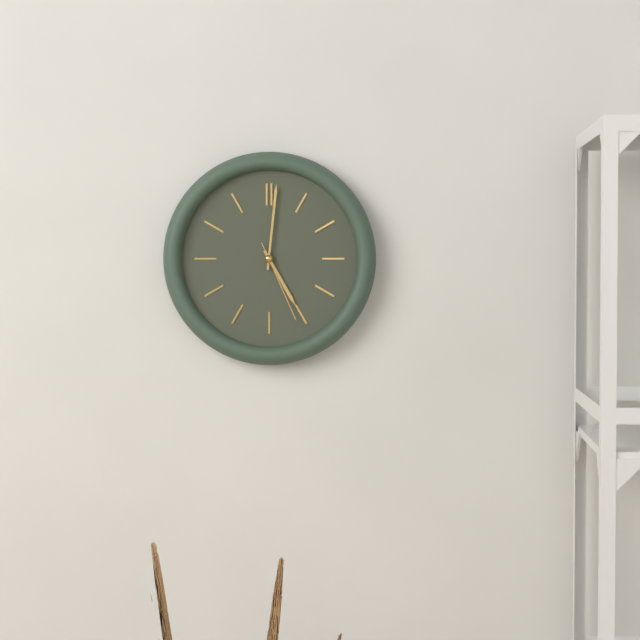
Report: 5:01:26
